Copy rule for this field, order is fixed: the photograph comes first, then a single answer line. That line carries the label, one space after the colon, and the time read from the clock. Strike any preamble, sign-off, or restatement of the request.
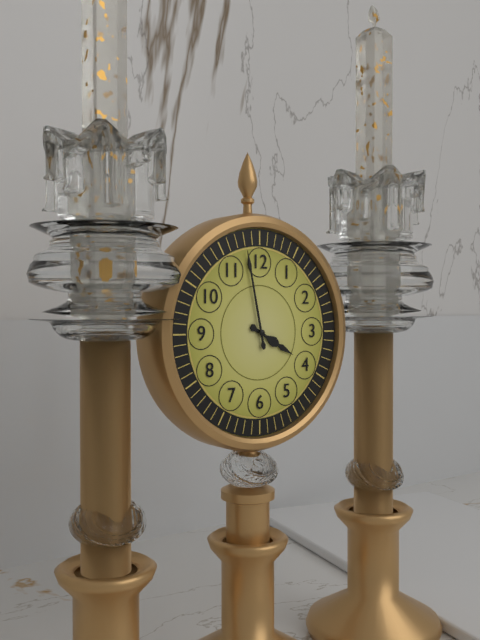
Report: 3:58
